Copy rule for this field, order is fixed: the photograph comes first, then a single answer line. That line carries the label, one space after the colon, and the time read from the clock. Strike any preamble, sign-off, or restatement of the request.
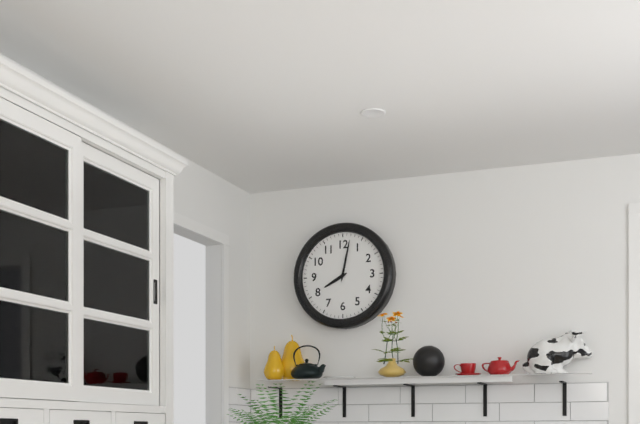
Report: 8:02
